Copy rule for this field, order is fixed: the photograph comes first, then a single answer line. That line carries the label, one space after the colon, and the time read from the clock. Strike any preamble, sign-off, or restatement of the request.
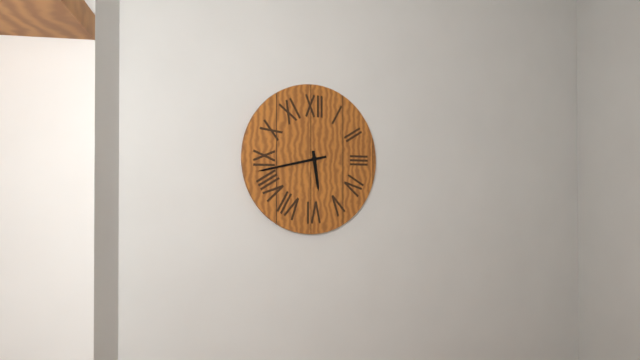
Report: 5:43
